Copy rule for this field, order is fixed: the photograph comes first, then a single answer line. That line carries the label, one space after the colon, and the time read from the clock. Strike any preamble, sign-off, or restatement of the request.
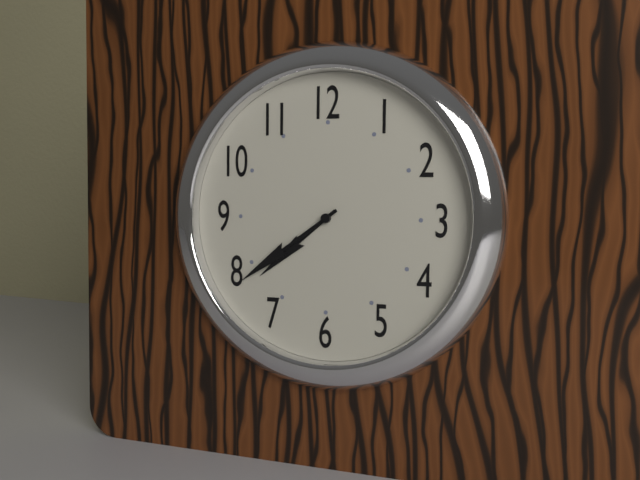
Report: 7:39
